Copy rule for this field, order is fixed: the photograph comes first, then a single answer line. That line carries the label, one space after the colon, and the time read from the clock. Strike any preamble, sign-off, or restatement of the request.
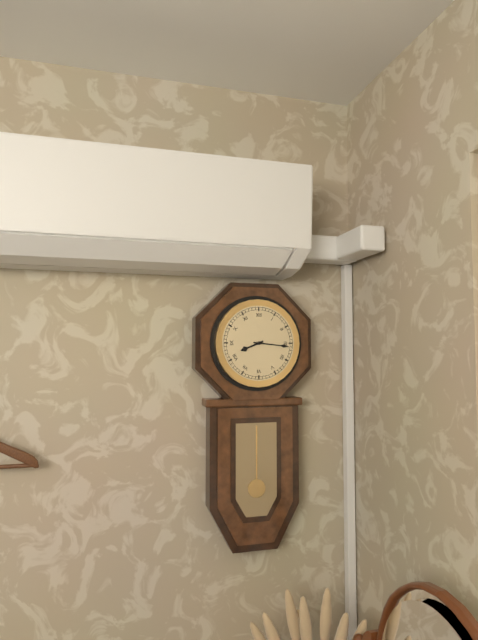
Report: 8:16
